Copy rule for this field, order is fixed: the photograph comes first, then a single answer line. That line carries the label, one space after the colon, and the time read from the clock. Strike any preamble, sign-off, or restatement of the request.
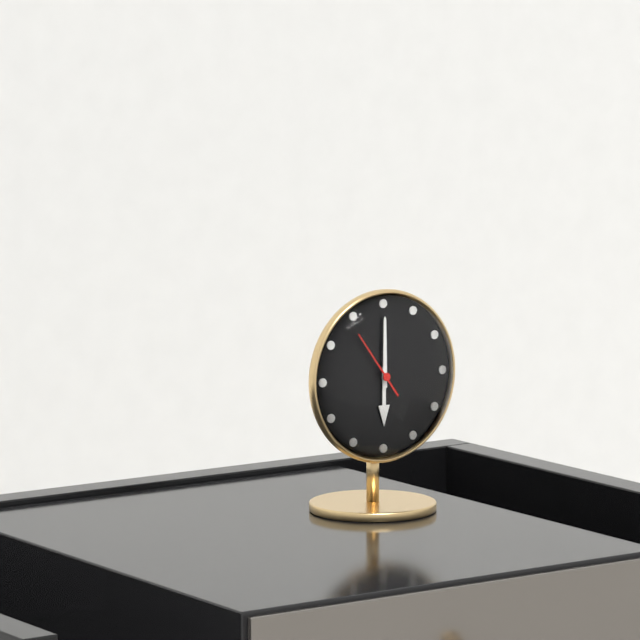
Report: 6:00:54
